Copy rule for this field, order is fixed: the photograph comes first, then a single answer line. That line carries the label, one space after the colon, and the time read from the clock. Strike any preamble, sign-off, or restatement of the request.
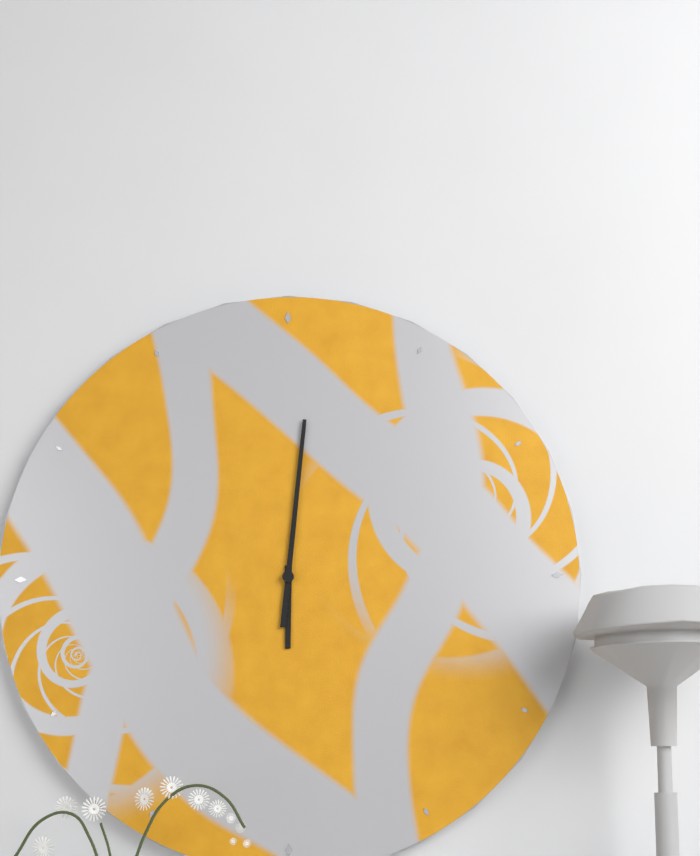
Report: 6:01
